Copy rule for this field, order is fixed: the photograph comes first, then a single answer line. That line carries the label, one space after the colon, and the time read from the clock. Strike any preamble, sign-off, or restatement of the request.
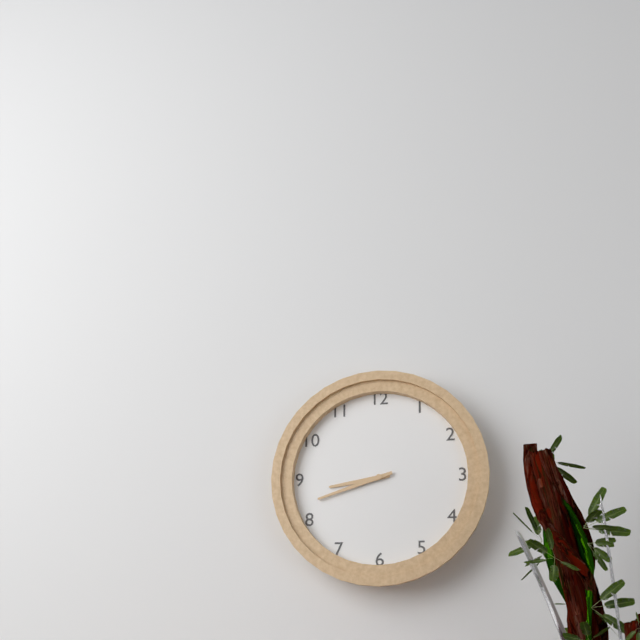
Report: 8:42
